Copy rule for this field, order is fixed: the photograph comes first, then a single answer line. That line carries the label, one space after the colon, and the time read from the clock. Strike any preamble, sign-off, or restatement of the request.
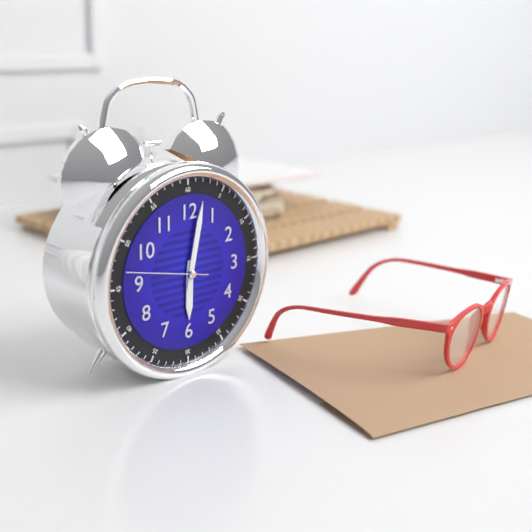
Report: 6:02:47
